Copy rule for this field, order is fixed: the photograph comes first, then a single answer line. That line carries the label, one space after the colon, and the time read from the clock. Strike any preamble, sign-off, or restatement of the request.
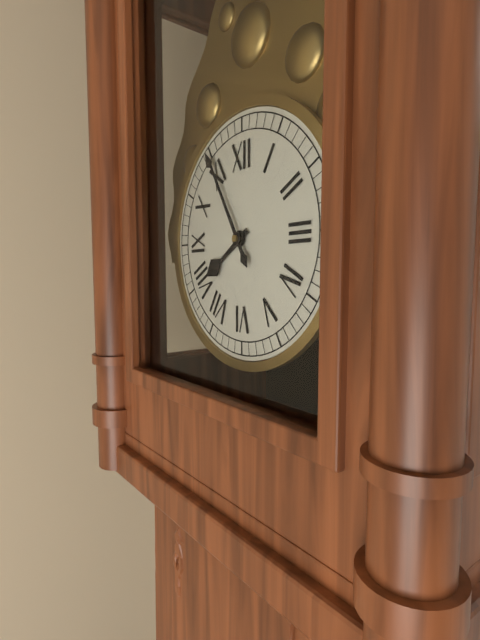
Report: 7:55
